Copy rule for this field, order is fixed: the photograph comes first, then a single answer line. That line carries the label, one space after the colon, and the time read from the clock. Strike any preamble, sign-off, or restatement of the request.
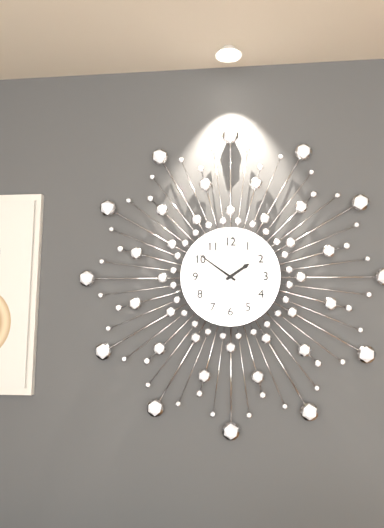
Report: 1:51
